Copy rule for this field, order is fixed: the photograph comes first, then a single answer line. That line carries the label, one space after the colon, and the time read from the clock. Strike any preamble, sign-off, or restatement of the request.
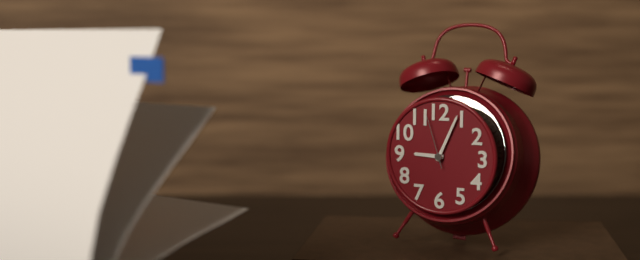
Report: 9:04:57
